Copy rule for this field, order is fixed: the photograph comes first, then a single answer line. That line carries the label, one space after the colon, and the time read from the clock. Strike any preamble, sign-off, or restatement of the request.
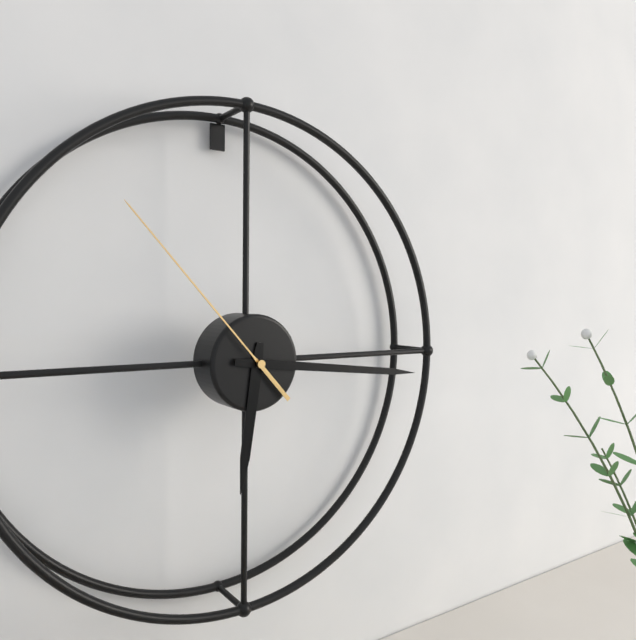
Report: 6:16:53
